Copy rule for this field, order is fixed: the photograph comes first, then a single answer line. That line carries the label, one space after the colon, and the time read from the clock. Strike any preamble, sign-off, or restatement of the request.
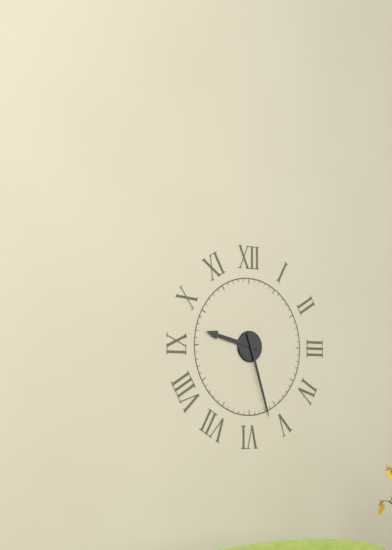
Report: 9:27
